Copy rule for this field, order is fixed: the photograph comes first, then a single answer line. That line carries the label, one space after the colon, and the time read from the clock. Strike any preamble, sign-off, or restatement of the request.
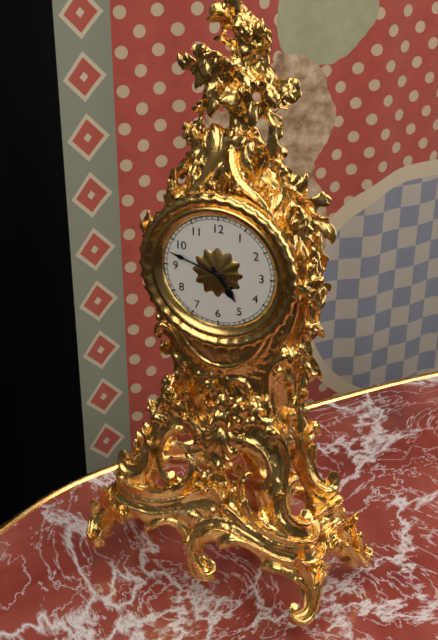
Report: 4:48
